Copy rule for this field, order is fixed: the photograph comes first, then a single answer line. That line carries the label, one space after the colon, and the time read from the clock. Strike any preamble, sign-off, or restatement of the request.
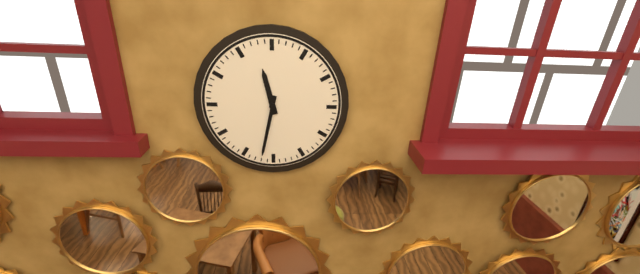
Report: 11:32
